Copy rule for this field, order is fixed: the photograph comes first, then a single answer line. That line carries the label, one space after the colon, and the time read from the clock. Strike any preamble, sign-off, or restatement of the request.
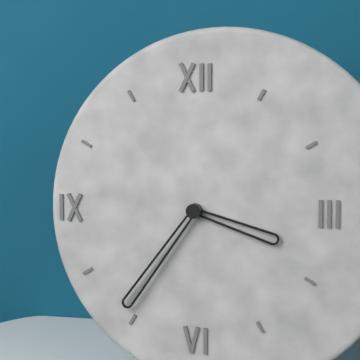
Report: 3:36
